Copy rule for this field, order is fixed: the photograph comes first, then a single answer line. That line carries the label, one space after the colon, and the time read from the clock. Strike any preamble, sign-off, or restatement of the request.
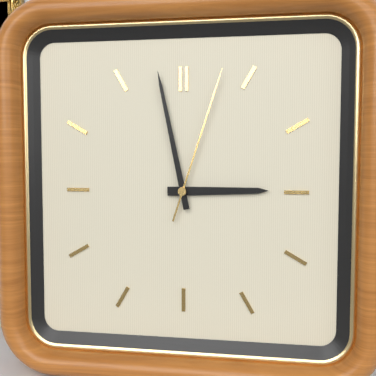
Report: 2:58:03
